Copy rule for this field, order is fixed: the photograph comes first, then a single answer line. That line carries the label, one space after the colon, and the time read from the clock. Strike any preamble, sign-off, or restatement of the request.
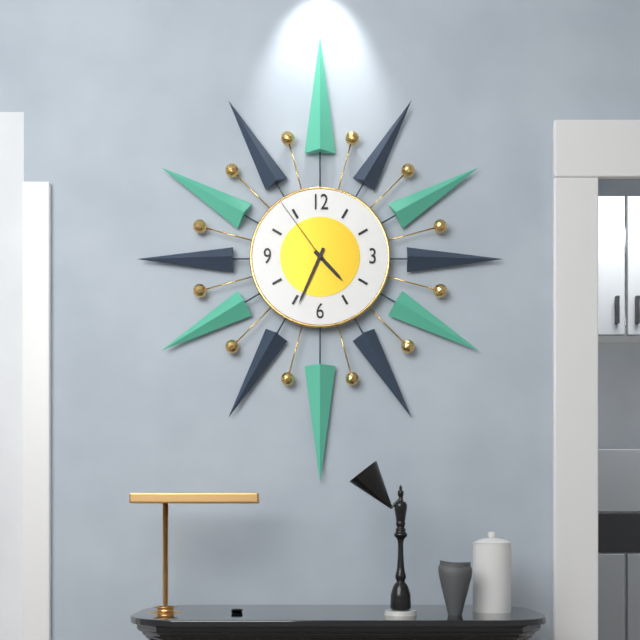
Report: 4:34:54
